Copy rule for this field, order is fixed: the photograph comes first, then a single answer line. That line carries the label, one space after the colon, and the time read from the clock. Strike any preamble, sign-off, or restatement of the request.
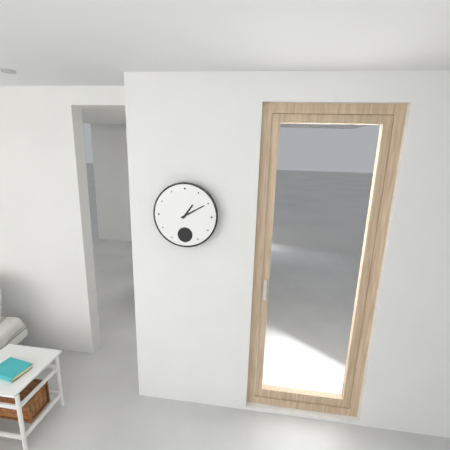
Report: 1:10
